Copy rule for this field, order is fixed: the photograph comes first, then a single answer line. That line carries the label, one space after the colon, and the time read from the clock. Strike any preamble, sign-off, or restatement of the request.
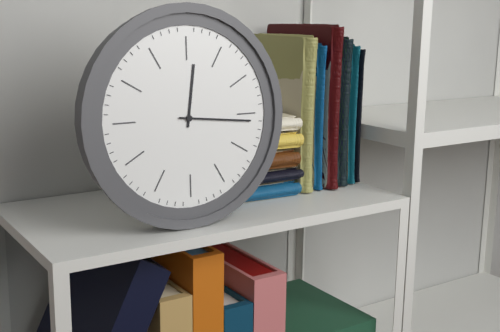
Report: 12:16
